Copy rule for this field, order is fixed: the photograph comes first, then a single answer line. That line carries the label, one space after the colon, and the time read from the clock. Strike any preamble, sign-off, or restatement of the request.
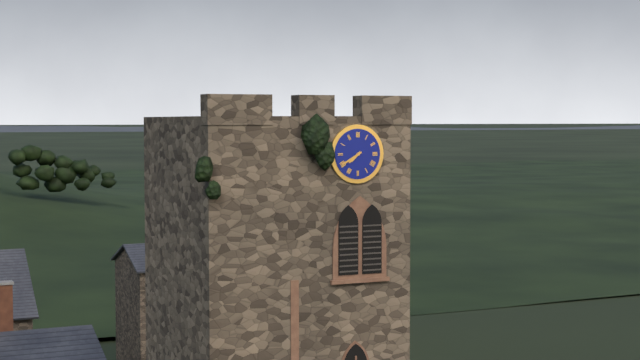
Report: 7:40
